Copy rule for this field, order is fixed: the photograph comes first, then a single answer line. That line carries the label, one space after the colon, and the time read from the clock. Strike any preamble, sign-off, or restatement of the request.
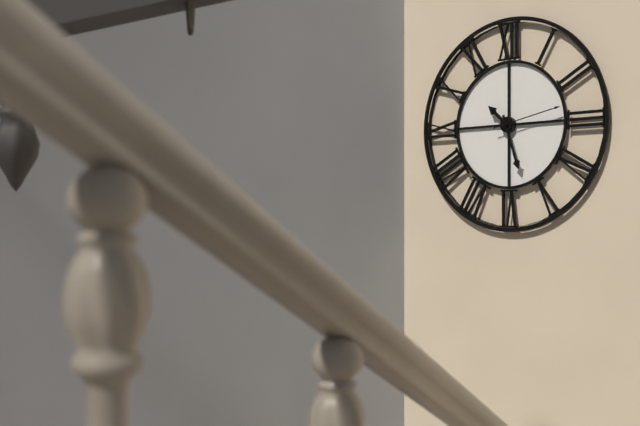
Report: 10:27:13
